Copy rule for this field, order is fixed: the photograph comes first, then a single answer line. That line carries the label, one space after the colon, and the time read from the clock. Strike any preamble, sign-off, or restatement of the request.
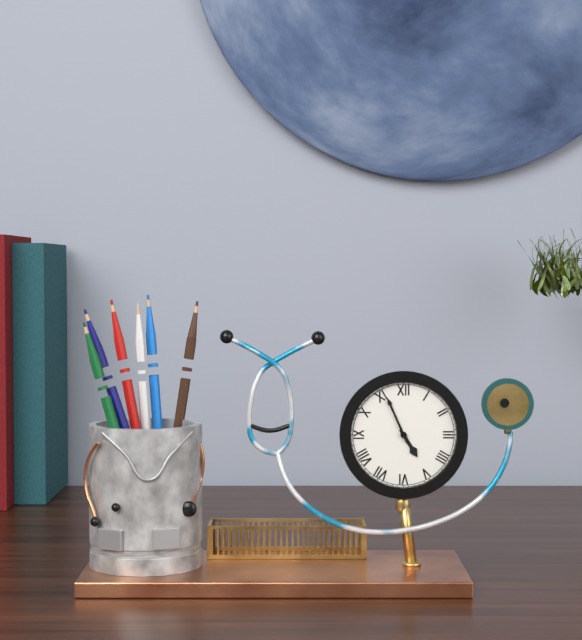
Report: 4:56
